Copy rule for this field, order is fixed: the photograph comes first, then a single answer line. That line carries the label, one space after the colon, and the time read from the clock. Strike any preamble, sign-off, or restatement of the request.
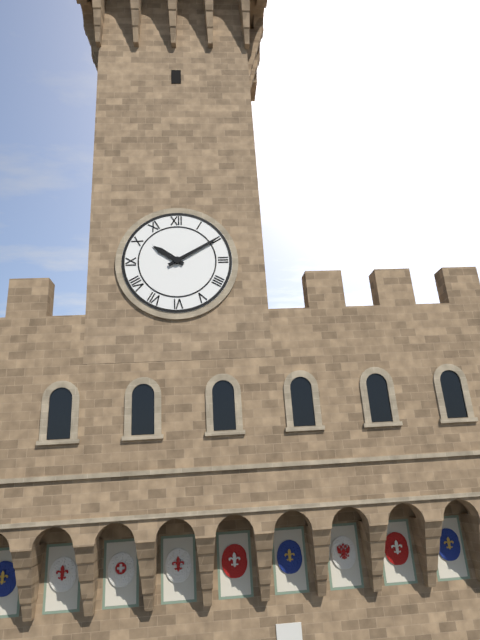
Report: 10:10
